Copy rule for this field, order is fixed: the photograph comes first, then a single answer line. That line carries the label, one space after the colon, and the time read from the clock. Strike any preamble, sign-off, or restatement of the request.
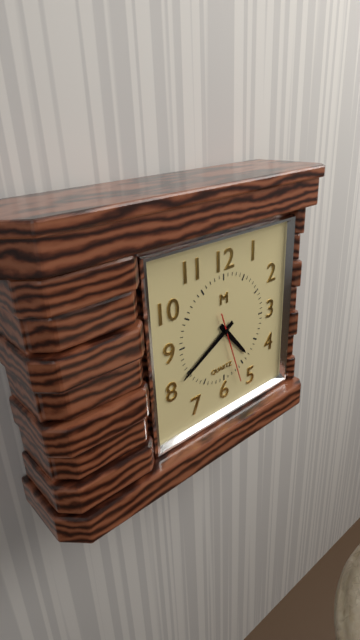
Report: 4:40:27
